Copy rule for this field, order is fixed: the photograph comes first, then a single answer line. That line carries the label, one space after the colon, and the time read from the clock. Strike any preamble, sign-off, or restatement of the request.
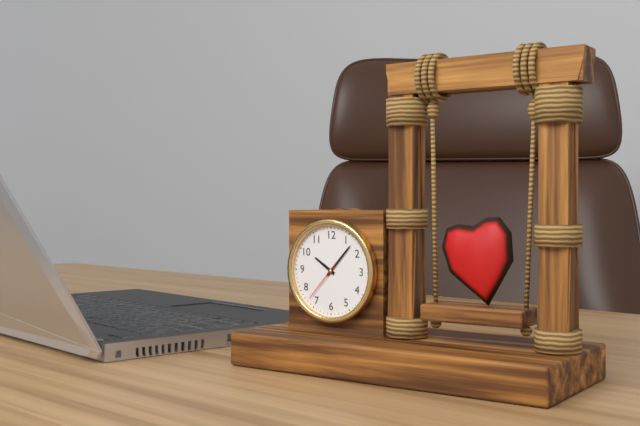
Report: 10:07
